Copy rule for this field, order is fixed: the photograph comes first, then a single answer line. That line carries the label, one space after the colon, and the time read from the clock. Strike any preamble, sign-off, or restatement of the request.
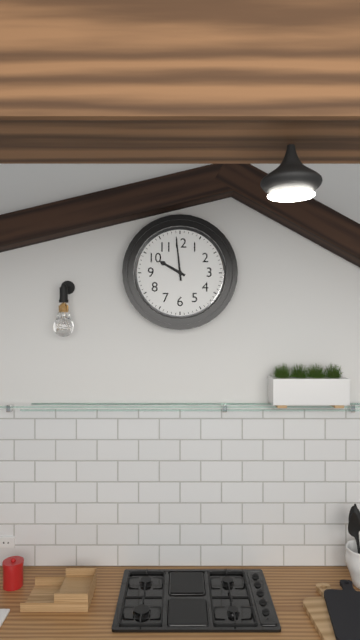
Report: 9:59
